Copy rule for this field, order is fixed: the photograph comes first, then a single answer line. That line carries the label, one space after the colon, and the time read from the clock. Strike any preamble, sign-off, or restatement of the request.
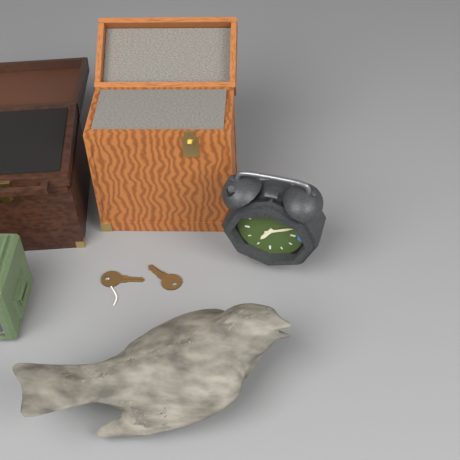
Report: 7:11
